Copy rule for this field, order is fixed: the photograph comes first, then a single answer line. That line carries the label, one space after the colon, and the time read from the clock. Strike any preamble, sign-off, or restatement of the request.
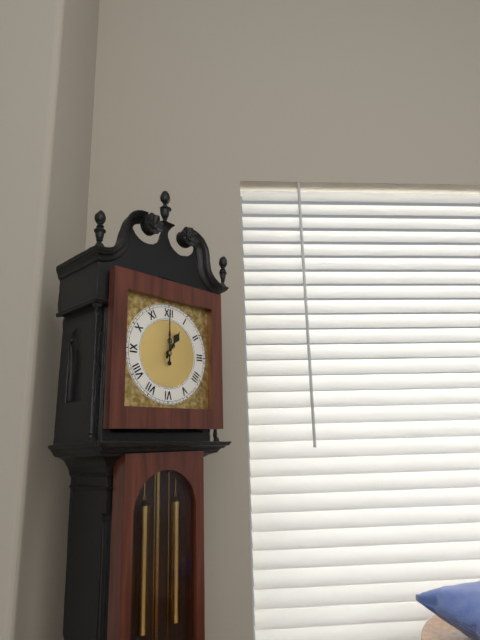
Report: 1:00
